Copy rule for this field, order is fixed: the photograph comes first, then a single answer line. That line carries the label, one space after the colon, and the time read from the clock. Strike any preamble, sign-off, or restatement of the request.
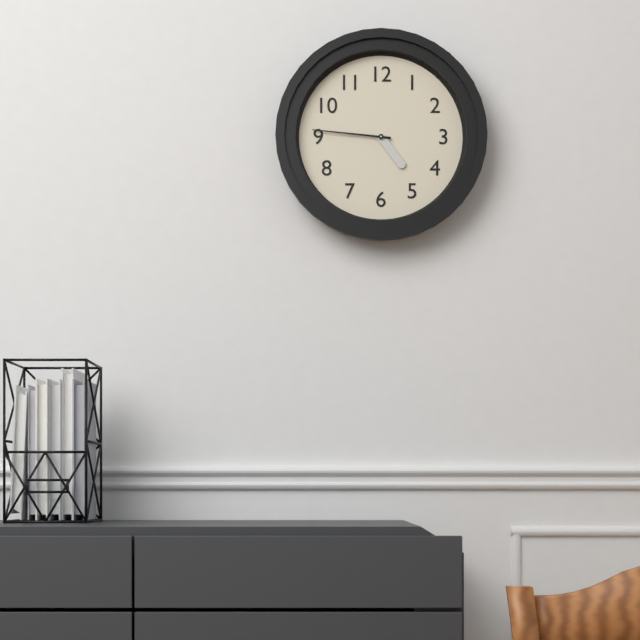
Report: 4:46
